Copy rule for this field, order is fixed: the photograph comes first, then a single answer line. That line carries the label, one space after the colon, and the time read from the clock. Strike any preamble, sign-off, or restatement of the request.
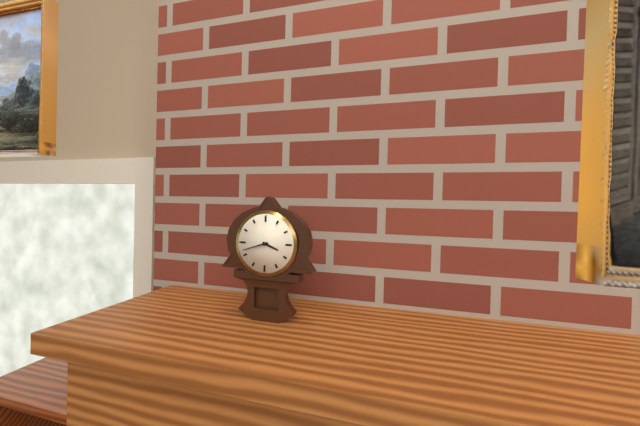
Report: 3:42
